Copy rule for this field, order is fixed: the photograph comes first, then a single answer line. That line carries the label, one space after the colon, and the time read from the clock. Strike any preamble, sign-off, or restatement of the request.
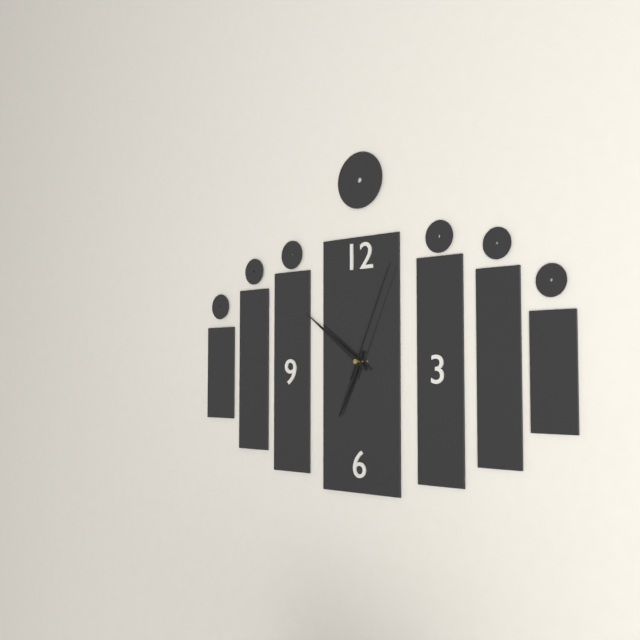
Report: 6:51:04
